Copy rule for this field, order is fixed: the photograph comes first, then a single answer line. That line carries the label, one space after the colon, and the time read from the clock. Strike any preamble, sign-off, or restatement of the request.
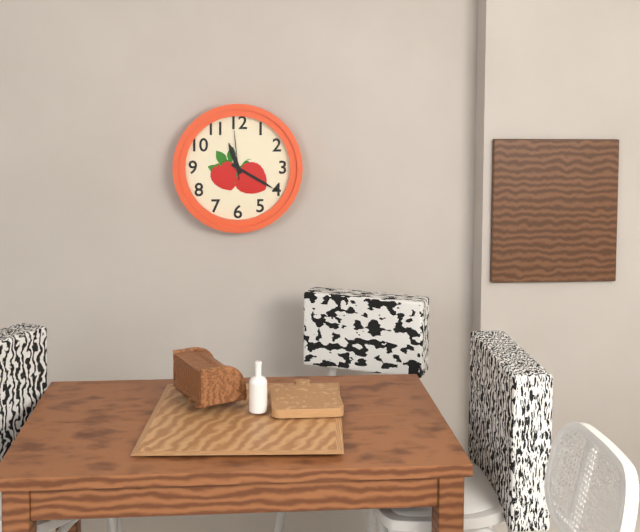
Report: 11:20:59
